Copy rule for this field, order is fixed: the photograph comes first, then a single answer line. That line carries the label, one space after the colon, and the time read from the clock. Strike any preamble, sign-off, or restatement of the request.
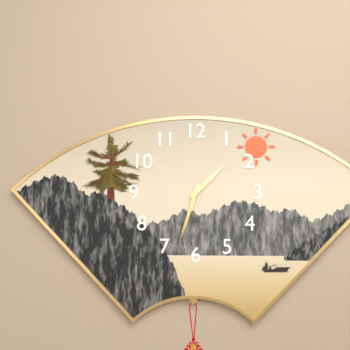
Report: 1:33
